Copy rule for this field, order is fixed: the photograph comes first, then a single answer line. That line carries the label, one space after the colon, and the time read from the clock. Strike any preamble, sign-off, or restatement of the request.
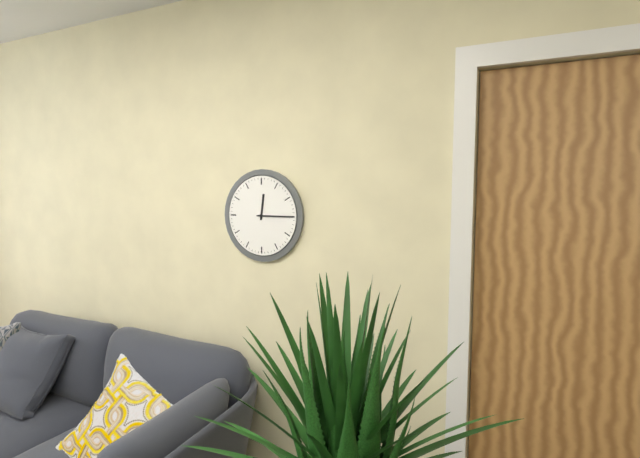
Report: 12:15
